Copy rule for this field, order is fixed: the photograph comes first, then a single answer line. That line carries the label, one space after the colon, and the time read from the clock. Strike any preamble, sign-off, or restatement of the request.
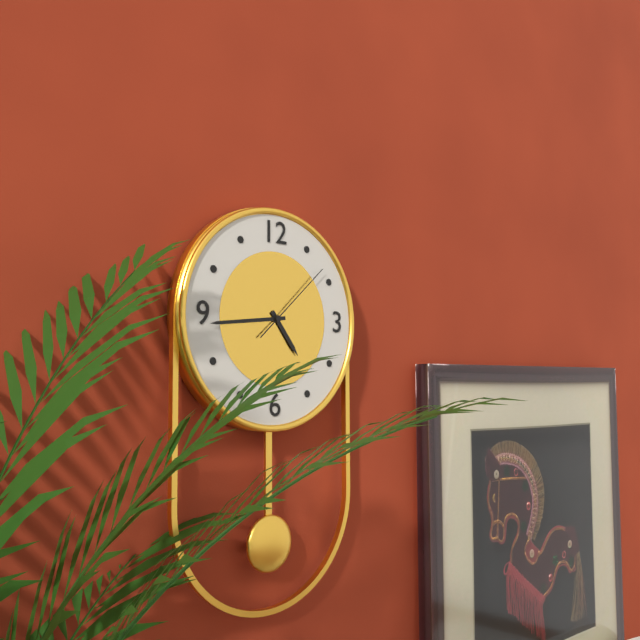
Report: 4:44:08
